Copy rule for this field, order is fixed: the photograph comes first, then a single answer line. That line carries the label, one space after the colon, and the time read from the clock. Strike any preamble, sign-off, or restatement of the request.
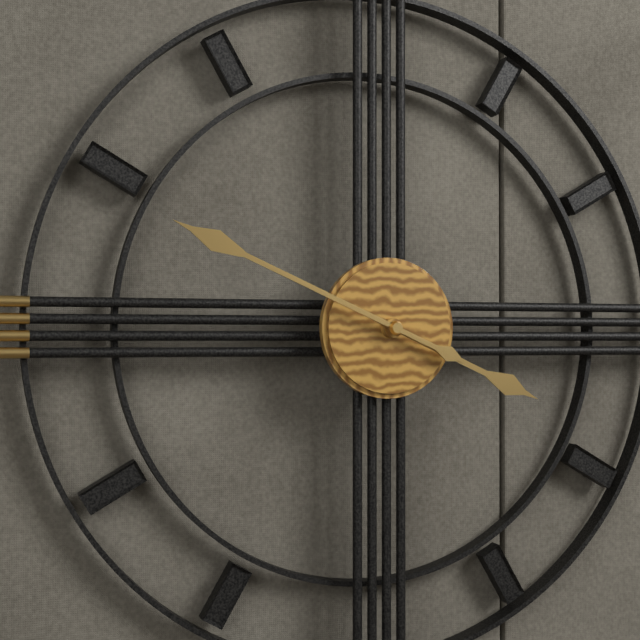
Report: 3:49
